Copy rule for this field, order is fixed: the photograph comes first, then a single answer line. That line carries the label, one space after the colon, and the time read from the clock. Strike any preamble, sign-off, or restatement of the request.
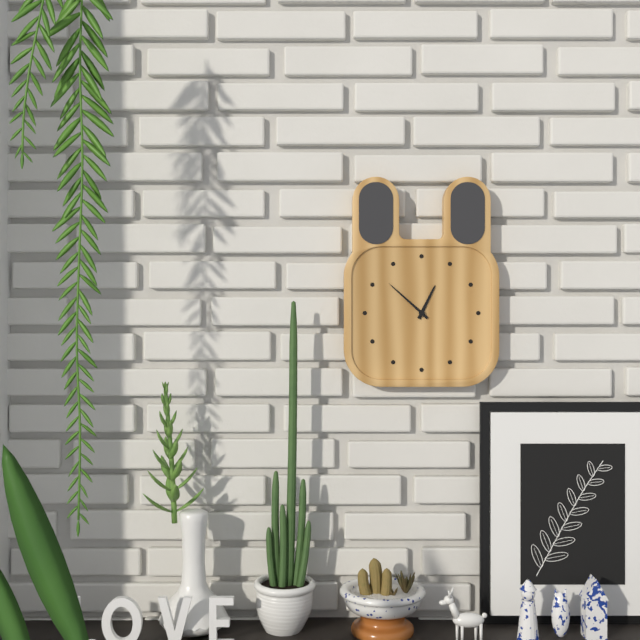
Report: 12:52
